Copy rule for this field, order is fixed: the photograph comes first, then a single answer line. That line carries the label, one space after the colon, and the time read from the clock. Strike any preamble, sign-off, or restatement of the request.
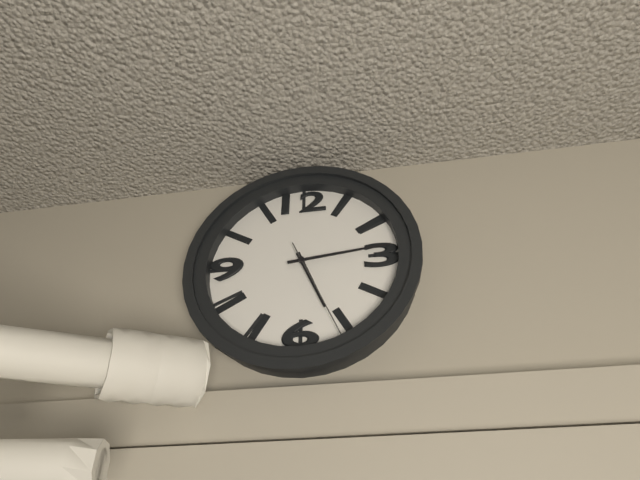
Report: 5:14:26
